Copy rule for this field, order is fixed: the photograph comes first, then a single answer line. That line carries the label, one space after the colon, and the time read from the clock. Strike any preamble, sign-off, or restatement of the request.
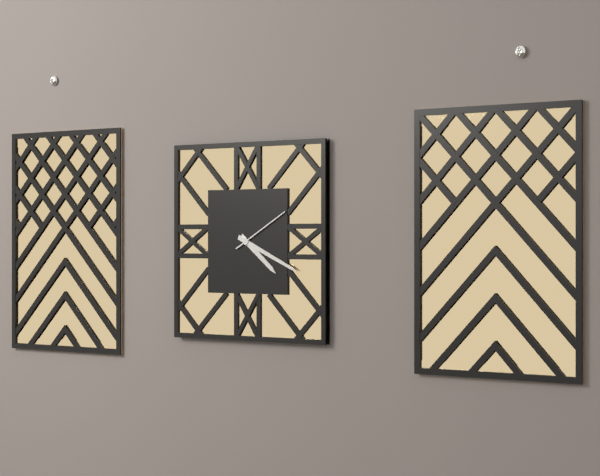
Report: 4:19:10
